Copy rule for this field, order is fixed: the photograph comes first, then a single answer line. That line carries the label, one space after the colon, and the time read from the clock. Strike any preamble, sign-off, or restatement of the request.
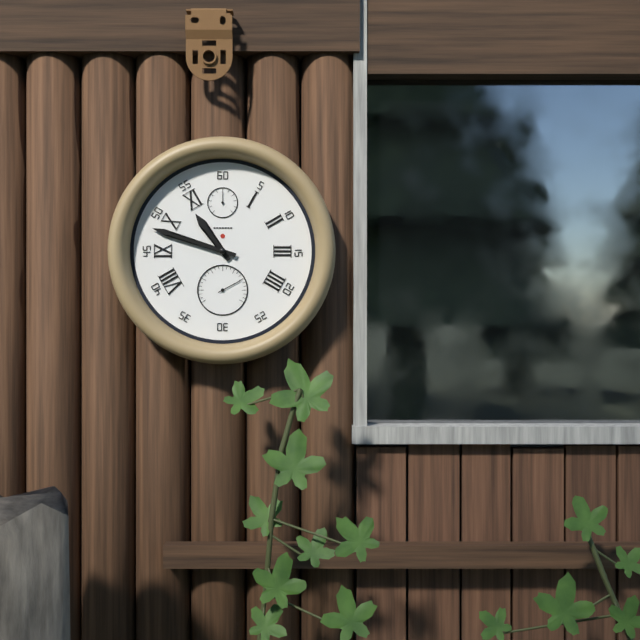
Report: 10:48
